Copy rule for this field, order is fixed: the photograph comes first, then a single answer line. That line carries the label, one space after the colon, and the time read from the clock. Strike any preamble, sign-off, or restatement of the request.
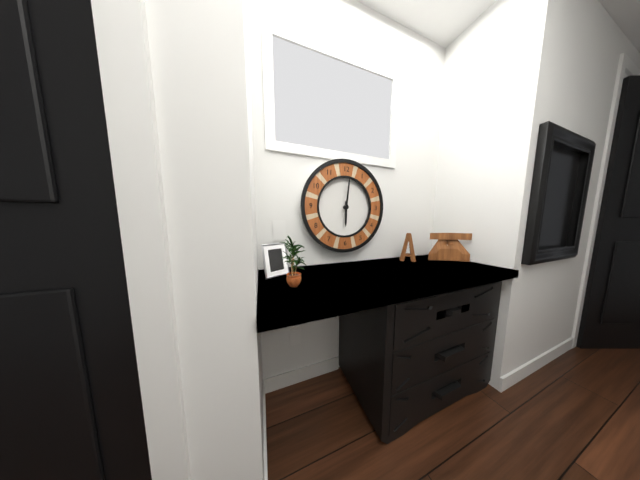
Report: 6:01
